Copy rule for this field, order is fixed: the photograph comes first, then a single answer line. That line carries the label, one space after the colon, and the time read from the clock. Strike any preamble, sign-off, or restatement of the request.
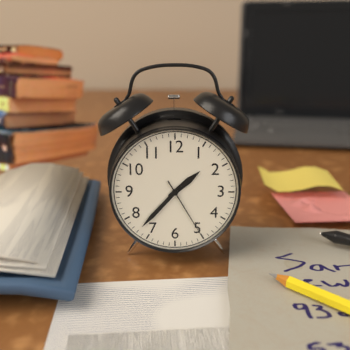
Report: 1:37:25
